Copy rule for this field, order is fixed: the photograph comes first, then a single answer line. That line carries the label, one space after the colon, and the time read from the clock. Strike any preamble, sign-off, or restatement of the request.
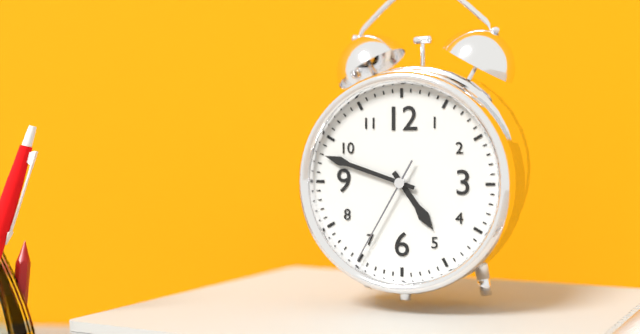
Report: 4:48:35
